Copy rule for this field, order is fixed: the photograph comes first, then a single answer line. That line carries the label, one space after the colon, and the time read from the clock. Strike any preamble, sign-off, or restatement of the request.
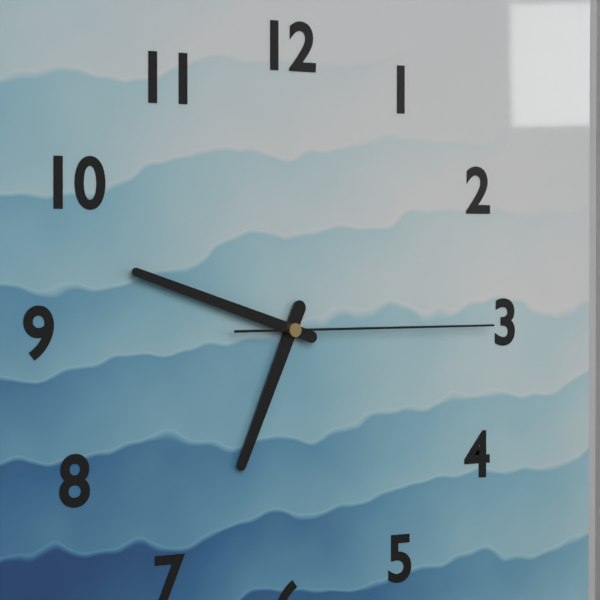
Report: 6:48:15
